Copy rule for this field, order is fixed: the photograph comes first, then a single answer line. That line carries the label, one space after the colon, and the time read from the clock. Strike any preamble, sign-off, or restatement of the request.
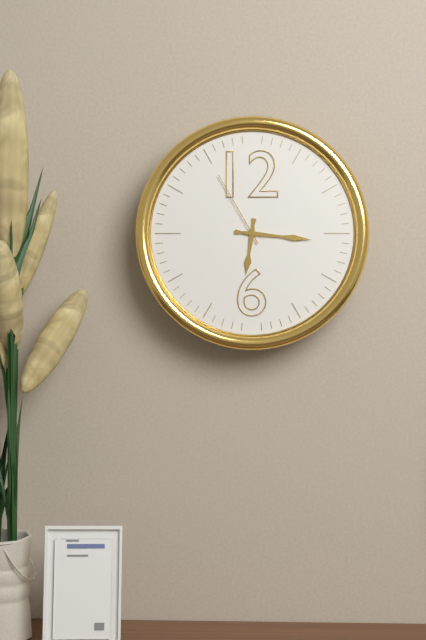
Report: 6:16:55
